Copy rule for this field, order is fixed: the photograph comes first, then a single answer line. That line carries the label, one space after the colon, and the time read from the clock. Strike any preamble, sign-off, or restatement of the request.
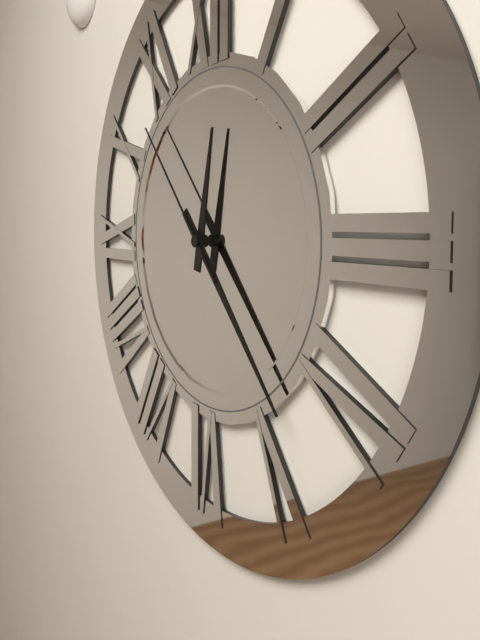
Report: 12:23:53
